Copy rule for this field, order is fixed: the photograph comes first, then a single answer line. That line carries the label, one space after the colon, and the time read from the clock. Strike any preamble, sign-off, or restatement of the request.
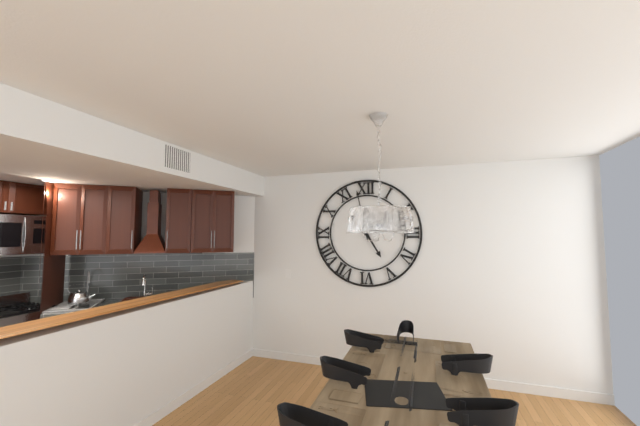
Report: 4:58
